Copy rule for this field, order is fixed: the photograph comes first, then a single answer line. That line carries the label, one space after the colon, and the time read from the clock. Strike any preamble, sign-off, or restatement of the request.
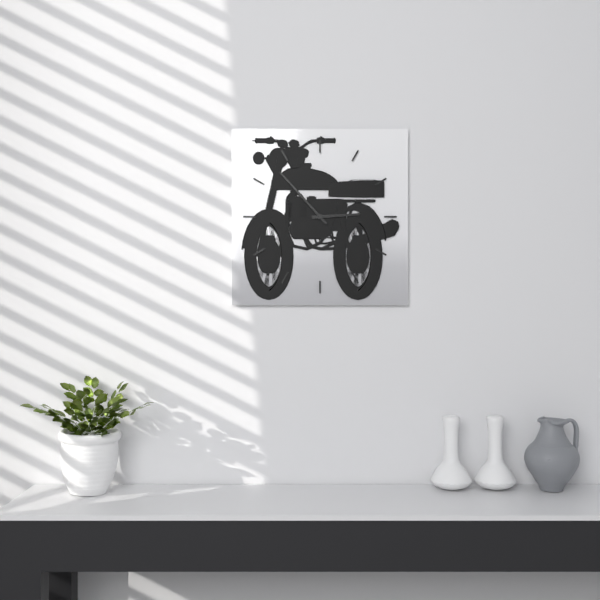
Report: 2:53
